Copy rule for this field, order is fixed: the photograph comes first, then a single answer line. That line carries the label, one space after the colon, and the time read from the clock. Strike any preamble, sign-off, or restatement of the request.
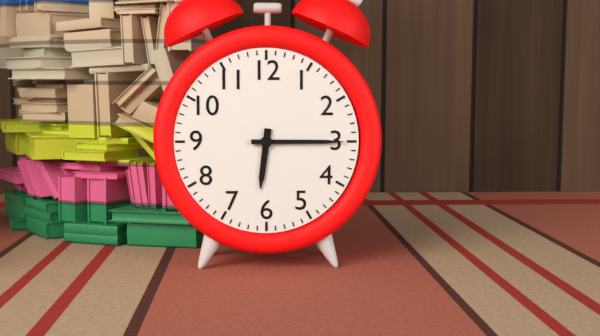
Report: 6:15
